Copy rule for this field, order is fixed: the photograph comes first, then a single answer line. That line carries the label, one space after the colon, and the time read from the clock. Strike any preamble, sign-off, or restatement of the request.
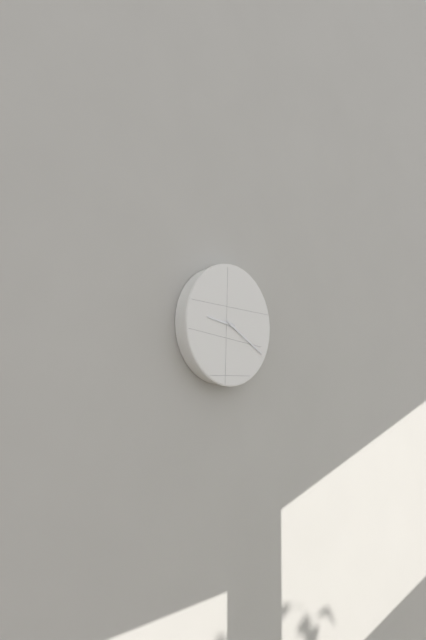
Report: 9:20
